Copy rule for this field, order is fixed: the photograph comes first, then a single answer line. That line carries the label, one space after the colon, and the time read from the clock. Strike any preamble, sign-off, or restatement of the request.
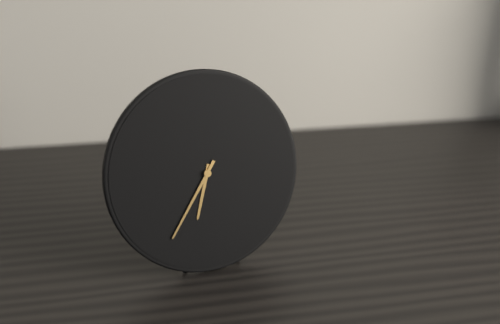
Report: 6:36
